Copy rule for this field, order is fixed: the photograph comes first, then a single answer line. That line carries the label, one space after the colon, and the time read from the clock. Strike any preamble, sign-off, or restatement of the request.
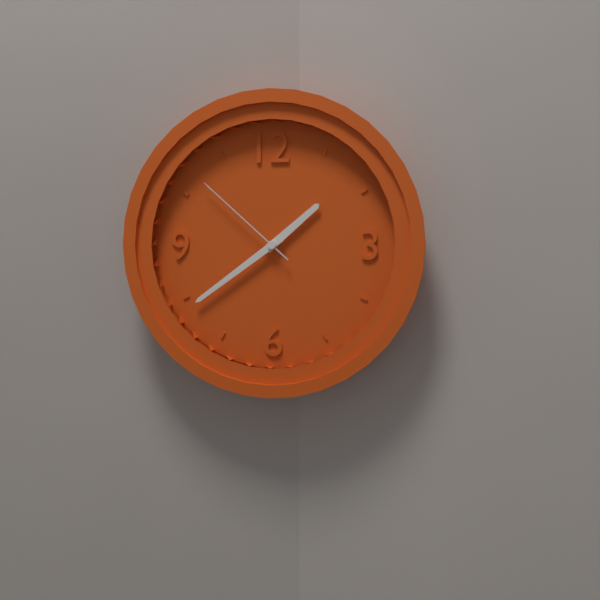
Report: 1:39:52
